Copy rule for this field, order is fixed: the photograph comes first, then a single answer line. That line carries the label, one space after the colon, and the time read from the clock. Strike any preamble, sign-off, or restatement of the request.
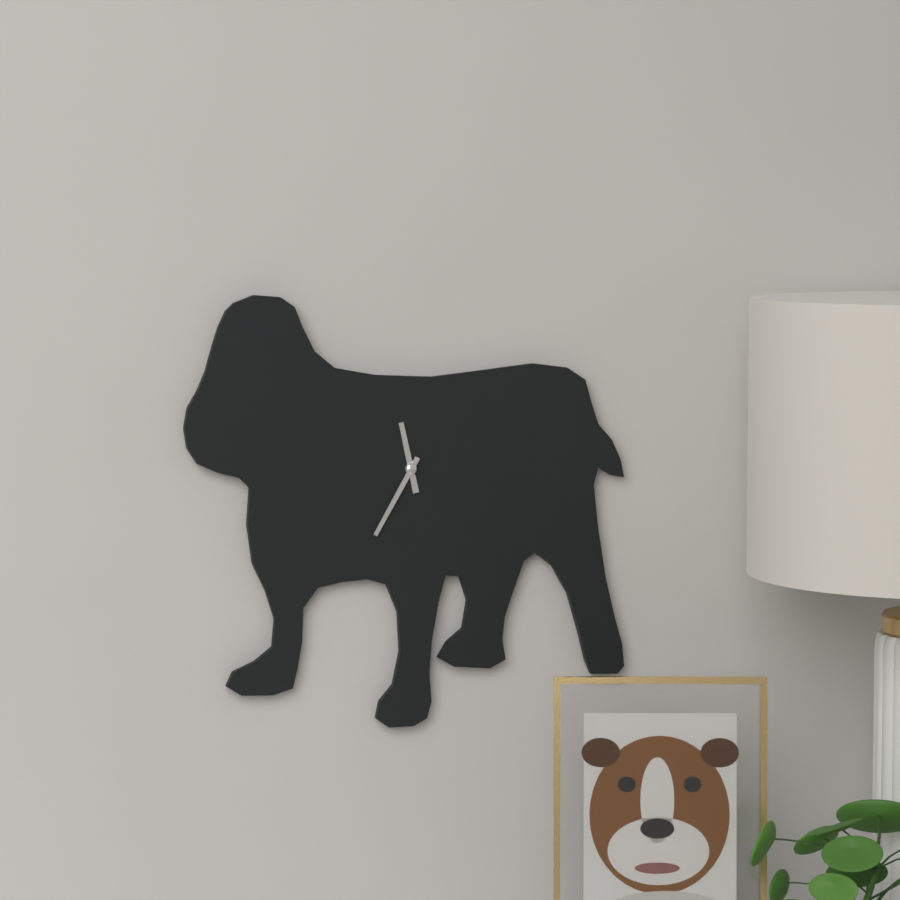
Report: 11:35
